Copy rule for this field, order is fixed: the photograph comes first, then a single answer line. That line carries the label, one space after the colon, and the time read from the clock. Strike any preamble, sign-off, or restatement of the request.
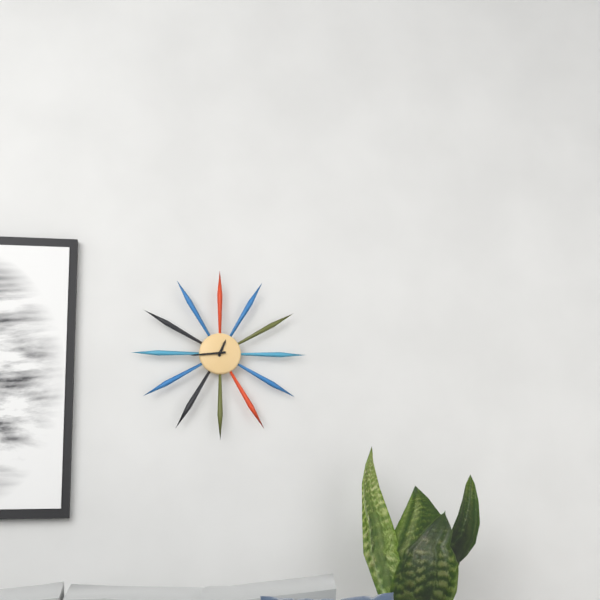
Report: 12:44
